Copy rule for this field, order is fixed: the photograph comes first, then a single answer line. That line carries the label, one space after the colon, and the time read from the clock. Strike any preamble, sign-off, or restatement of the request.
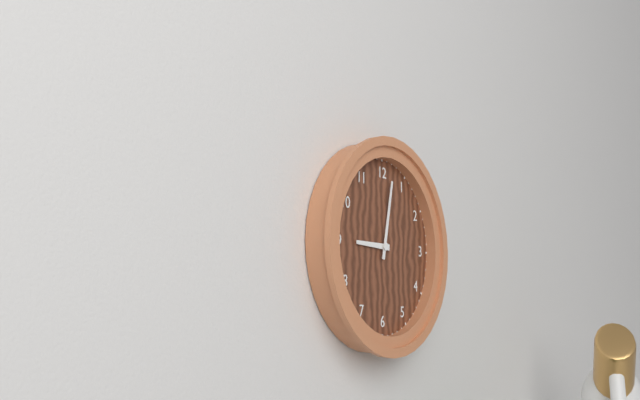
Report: 9:02
